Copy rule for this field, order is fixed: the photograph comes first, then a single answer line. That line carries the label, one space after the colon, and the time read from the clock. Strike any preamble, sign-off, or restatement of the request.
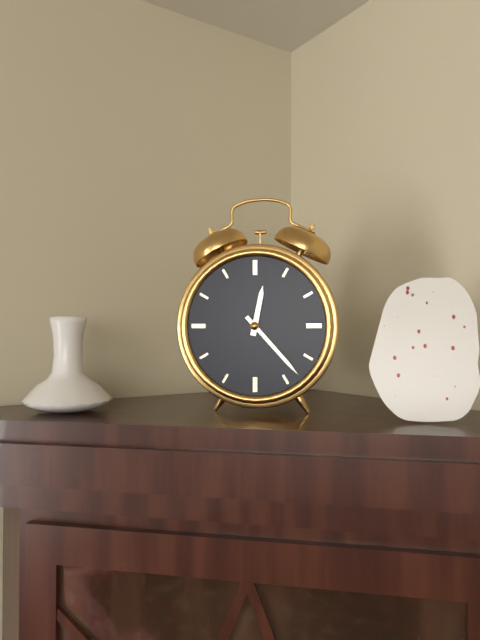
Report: 12:23
